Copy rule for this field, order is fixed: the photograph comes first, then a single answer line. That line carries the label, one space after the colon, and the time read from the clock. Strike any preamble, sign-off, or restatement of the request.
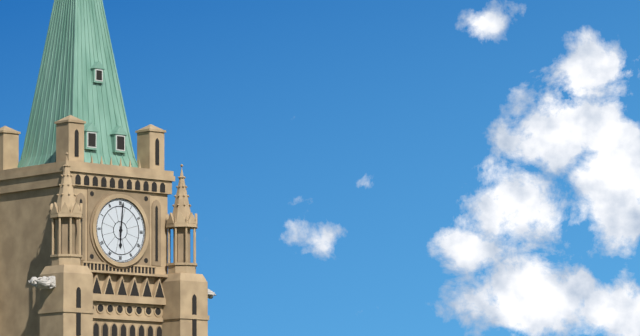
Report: 6:01
